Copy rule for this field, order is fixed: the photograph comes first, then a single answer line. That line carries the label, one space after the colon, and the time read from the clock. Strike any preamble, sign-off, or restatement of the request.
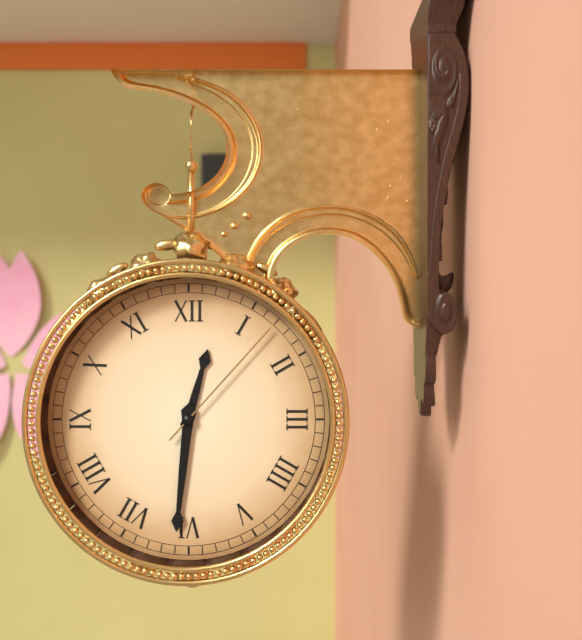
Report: 12:31:07
